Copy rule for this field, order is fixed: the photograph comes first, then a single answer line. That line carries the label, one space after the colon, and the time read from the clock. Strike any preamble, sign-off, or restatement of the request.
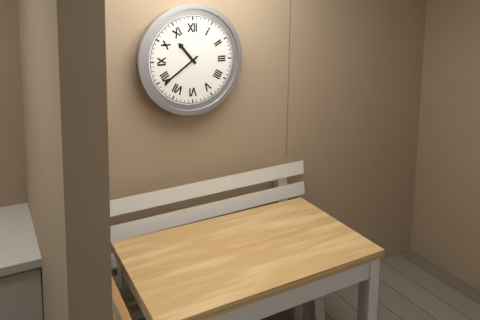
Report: 10:39
